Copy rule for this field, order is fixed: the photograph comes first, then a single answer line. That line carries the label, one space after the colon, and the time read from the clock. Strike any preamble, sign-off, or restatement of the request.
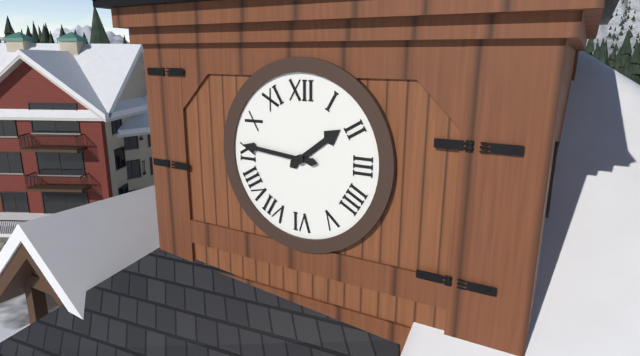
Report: 1:46
